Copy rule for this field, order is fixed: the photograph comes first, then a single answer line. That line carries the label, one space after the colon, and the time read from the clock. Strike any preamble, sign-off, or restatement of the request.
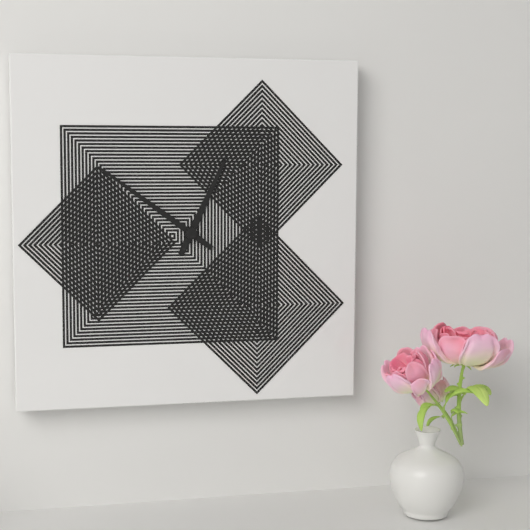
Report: 12:51
